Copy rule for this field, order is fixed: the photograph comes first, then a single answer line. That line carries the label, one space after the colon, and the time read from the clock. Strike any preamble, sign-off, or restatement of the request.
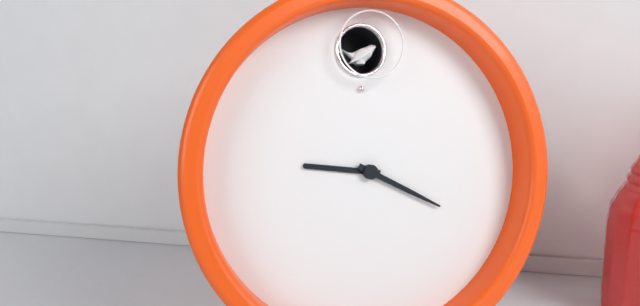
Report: 9:20
